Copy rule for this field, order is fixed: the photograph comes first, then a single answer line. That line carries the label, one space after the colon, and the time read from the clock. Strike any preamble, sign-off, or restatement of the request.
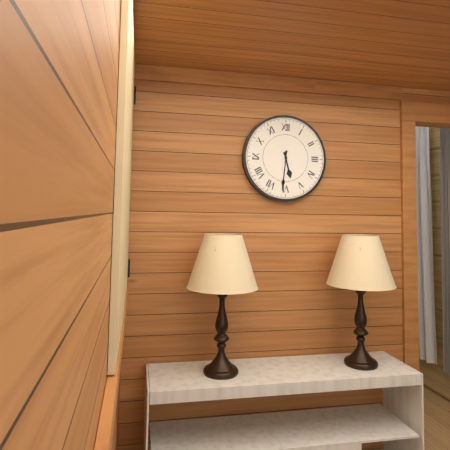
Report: 5:31
